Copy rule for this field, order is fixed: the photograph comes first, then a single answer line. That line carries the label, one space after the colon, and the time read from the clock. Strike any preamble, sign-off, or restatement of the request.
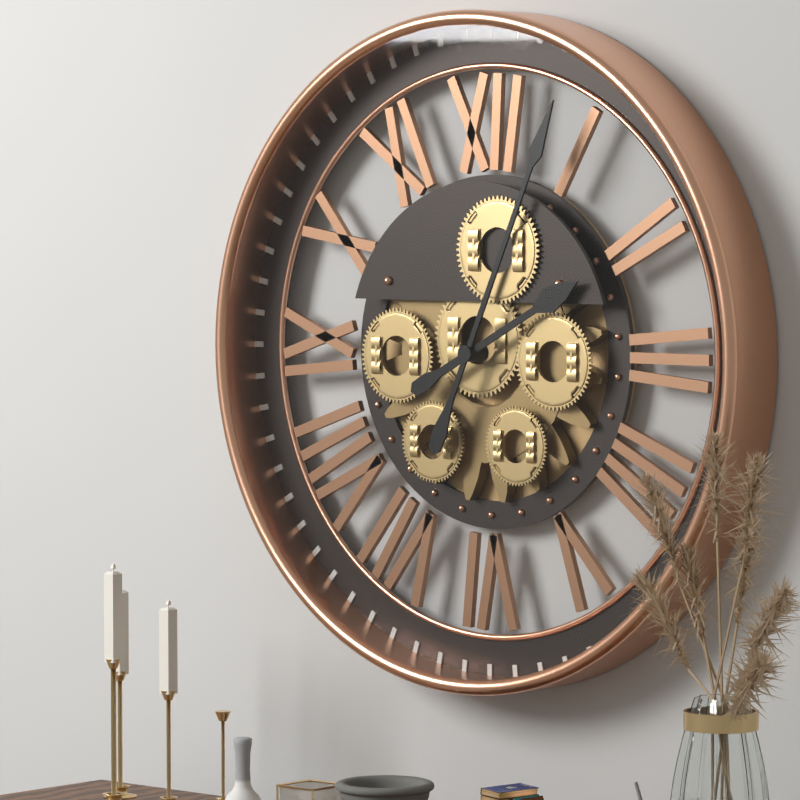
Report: 2:04
